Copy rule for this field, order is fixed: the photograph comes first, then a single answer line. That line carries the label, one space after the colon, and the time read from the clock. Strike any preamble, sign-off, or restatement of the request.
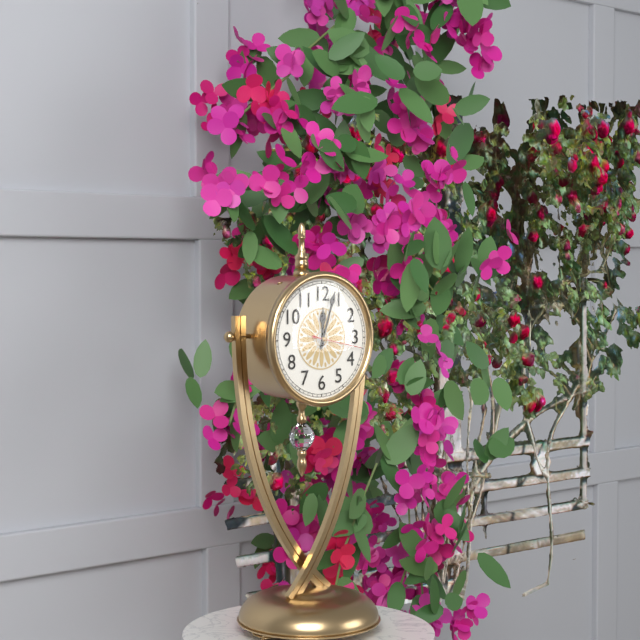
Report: 12:03
